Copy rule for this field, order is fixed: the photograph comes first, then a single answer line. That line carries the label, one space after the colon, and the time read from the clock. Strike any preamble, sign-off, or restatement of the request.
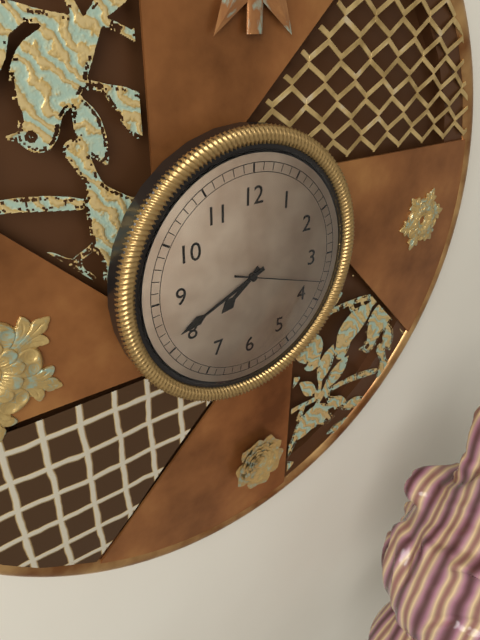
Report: 7:41:18
